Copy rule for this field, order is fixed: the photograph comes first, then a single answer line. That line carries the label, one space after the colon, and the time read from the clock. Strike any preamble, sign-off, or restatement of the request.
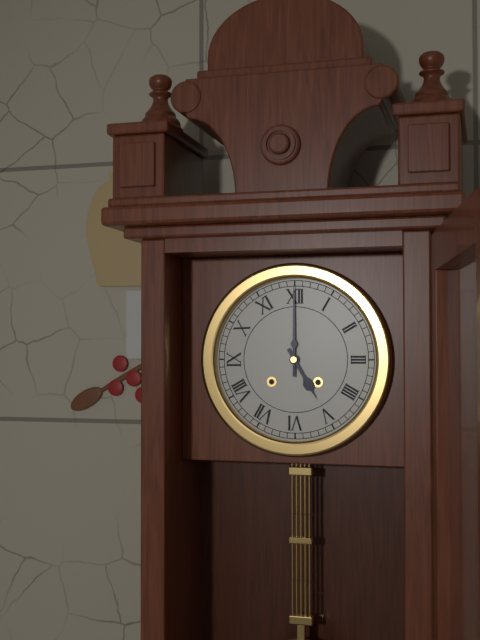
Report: 5:00
